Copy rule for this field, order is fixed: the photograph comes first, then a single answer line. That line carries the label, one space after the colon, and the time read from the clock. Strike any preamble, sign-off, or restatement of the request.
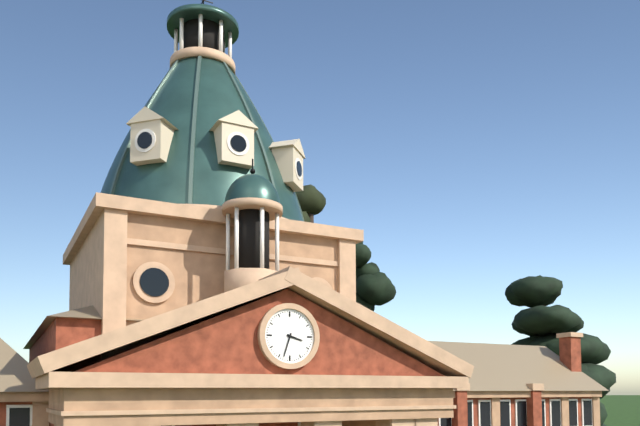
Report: 3:33
